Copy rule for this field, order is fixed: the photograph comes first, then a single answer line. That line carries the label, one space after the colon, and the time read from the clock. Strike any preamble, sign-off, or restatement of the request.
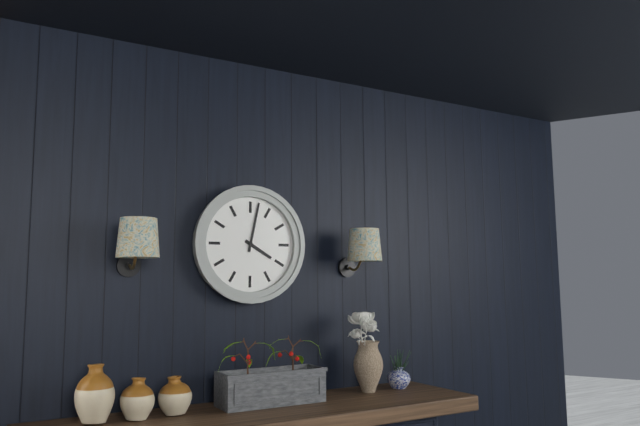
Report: 4:02
